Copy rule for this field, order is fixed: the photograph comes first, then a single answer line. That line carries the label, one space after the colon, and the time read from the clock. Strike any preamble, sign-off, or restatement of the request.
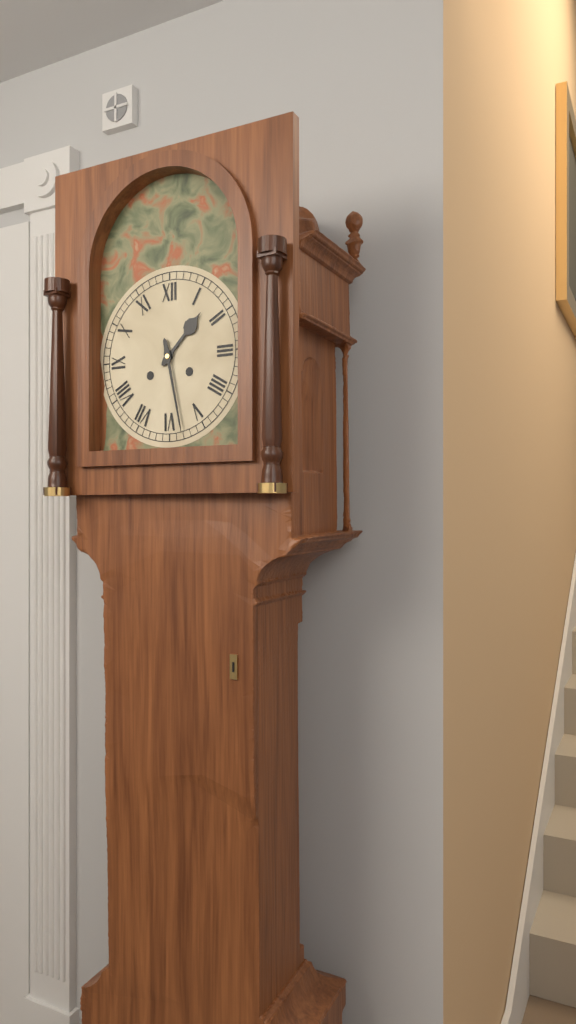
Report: 1:28
